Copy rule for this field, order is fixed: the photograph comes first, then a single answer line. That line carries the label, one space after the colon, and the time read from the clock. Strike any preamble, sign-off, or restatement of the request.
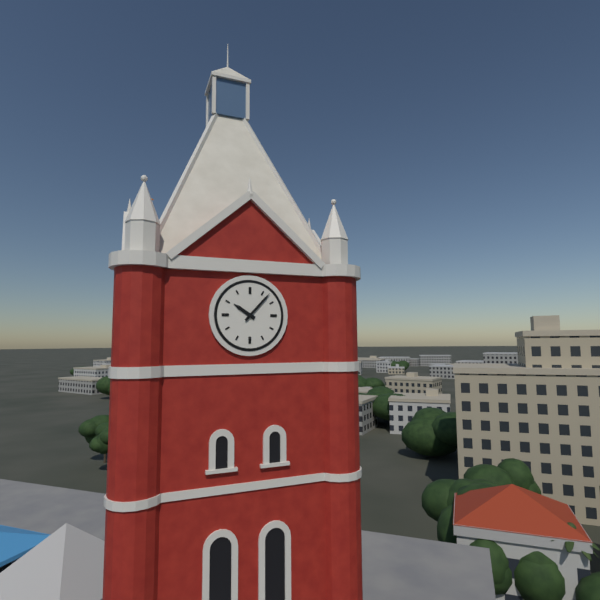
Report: 10:07
